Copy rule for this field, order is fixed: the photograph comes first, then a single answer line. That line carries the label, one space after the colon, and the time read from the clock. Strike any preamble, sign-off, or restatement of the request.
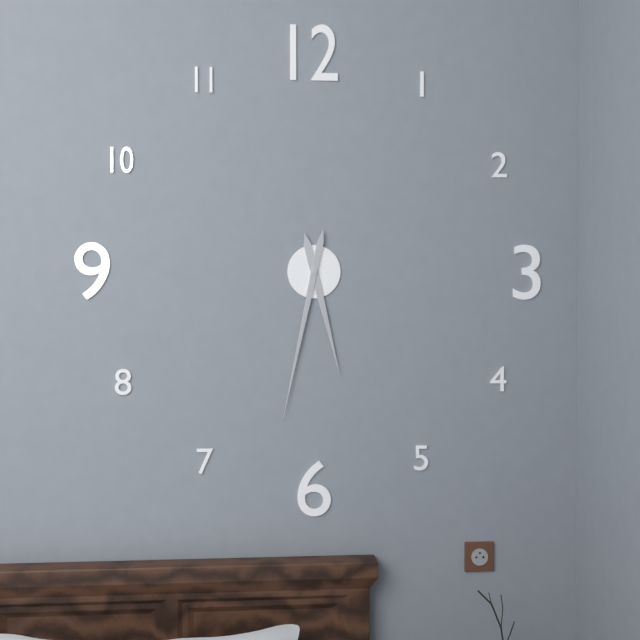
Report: 5:32
